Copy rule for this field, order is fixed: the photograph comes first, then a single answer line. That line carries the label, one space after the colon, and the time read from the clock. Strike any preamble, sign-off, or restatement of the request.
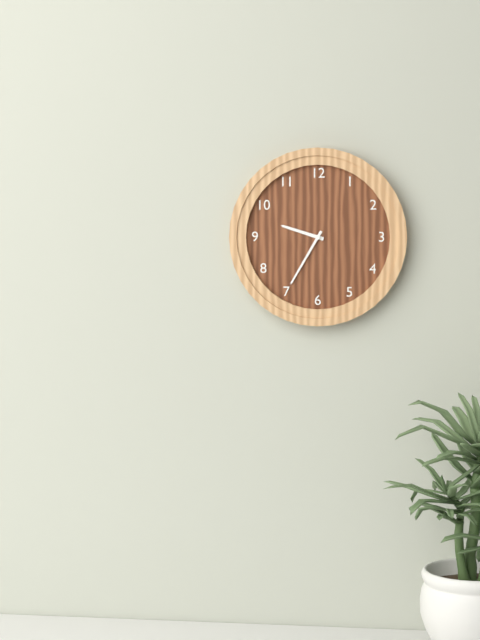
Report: 9:35
